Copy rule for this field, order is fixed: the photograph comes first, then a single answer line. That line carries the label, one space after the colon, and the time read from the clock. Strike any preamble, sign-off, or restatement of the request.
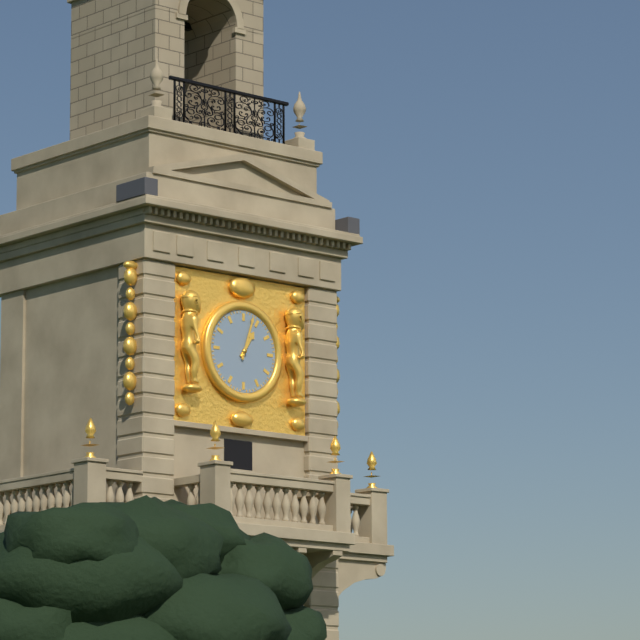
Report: 1:03
